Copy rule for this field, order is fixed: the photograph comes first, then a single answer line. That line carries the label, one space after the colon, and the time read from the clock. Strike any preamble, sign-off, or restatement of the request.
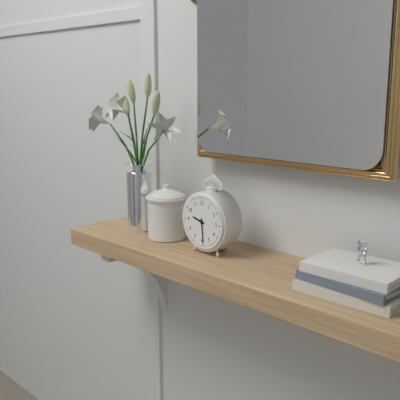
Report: 9:29
